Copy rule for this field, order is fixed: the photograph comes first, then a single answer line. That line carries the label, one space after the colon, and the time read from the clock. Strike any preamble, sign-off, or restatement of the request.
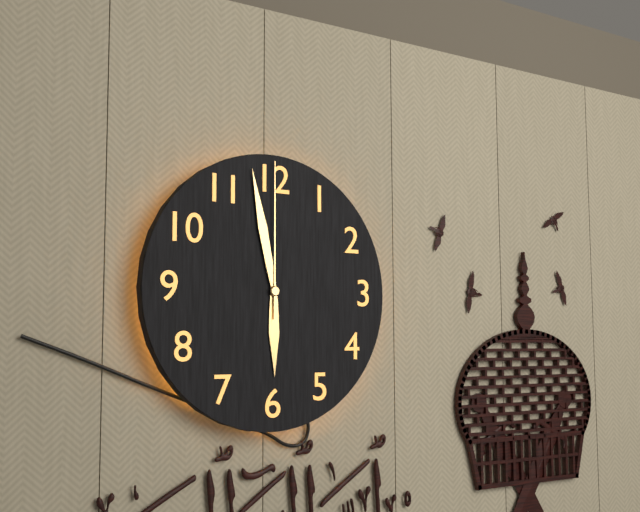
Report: 5:58:00
